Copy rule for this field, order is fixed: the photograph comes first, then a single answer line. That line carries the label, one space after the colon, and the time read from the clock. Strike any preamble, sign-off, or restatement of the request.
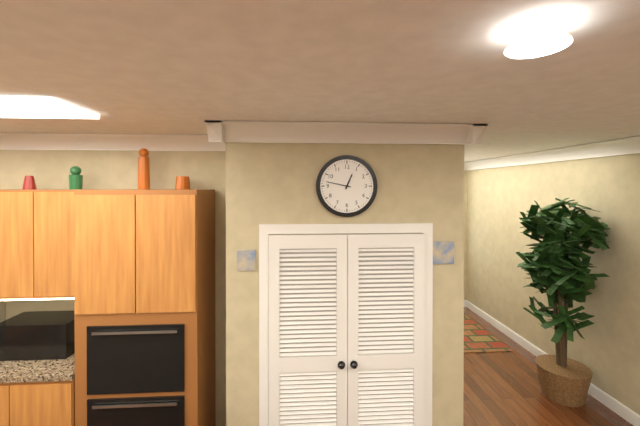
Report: 12:47
